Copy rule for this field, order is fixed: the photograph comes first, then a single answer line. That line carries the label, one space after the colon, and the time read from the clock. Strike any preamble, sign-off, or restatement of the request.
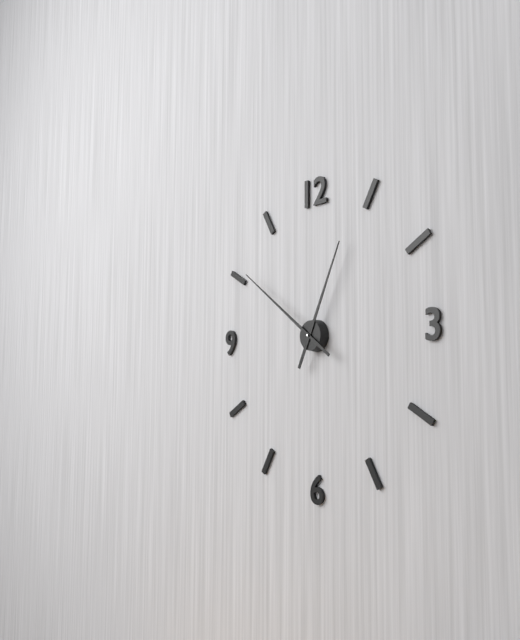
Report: 12:51
